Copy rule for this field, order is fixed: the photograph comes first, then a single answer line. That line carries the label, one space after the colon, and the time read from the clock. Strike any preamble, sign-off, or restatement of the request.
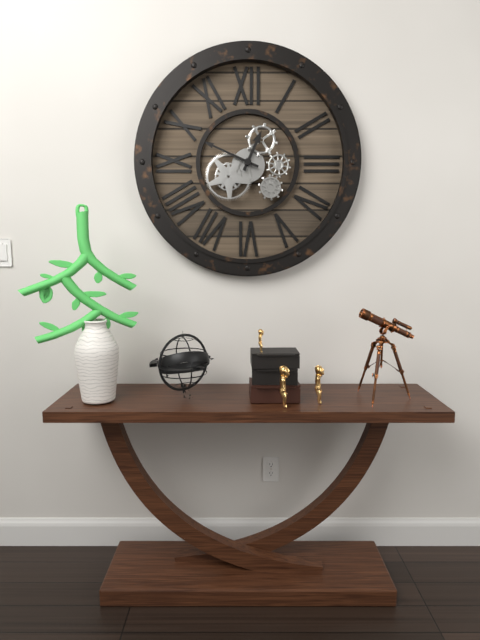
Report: 12:49
